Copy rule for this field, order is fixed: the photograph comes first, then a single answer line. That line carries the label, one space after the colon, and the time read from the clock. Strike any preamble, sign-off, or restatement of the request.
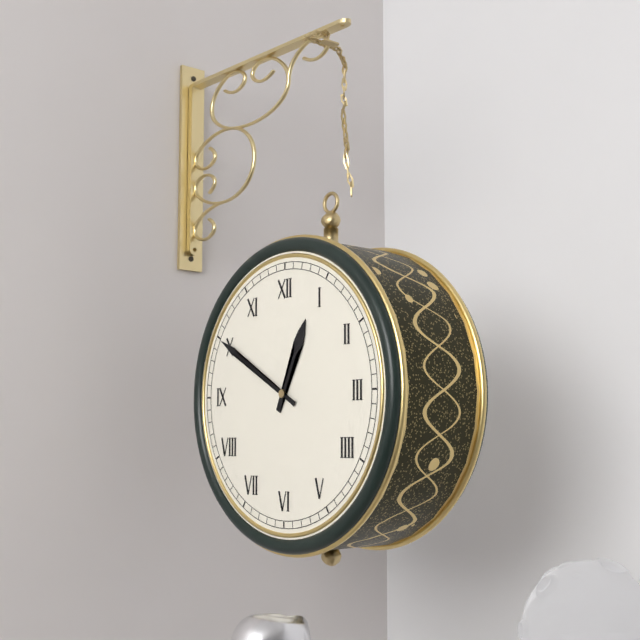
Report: 12:50
